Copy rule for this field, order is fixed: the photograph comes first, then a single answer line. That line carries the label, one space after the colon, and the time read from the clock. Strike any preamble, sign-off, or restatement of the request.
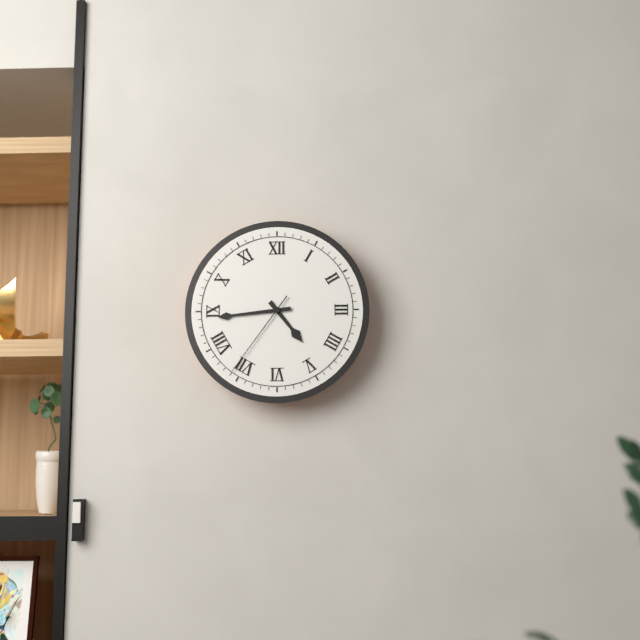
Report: 4:44:36
